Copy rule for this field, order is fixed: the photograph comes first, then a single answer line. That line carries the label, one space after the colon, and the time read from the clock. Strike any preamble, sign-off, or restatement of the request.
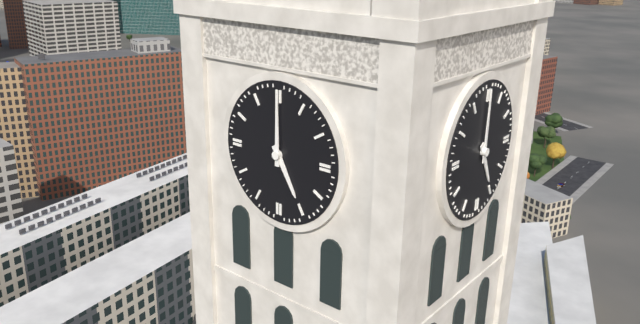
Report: 5:00
